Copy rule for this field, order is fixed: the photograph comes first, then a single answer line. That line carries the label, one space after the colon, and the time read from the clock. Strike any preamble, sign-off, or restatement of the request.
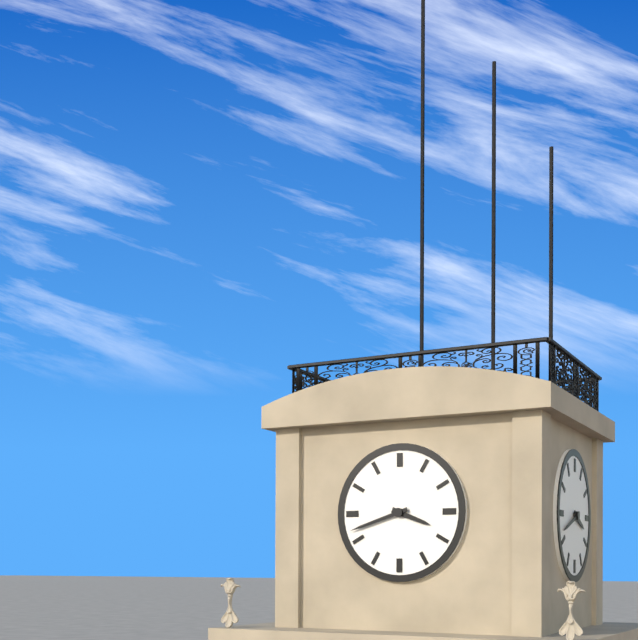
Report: 3:42
